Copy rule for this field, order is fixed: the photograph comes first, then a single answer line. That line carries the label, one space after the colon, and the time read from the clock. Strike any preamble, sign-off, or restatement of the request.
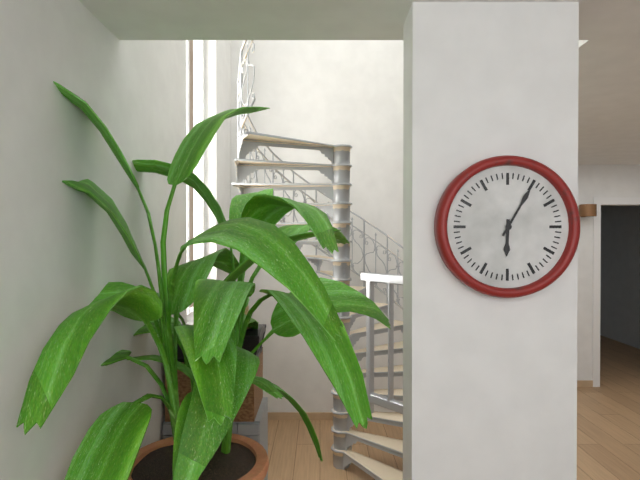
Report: 6:05
